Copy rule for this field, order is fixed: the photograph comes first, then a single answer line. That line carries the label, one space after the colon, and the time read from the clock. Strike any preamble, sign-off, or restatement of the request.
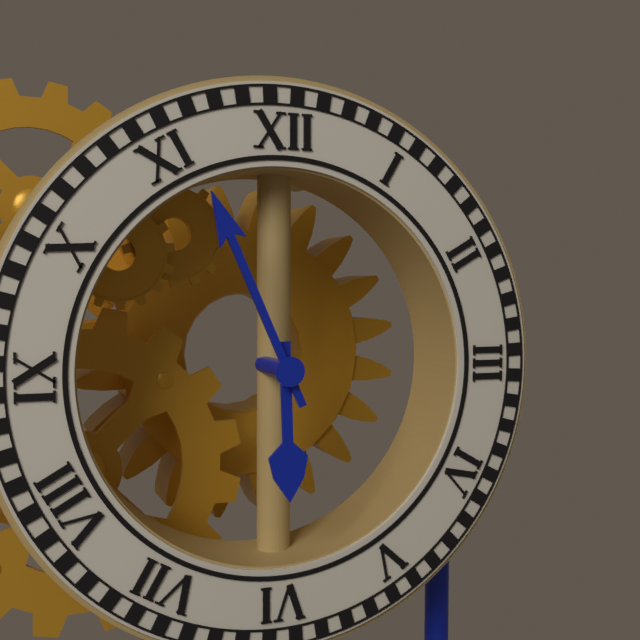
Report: 5:56
